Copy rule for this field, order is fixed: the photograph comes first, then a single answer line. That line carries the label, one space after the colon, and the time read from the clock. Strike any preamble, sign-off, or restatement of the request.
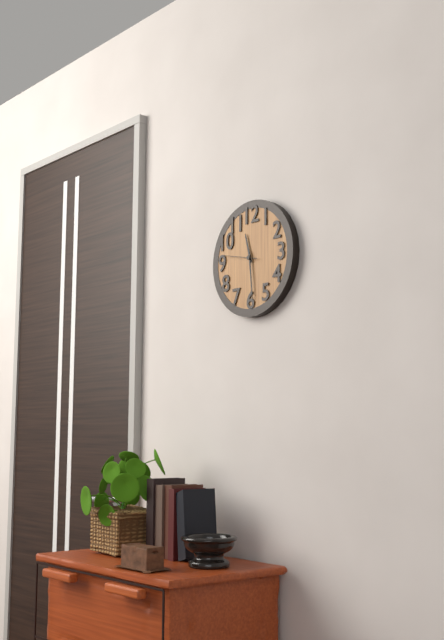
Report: 11:29
